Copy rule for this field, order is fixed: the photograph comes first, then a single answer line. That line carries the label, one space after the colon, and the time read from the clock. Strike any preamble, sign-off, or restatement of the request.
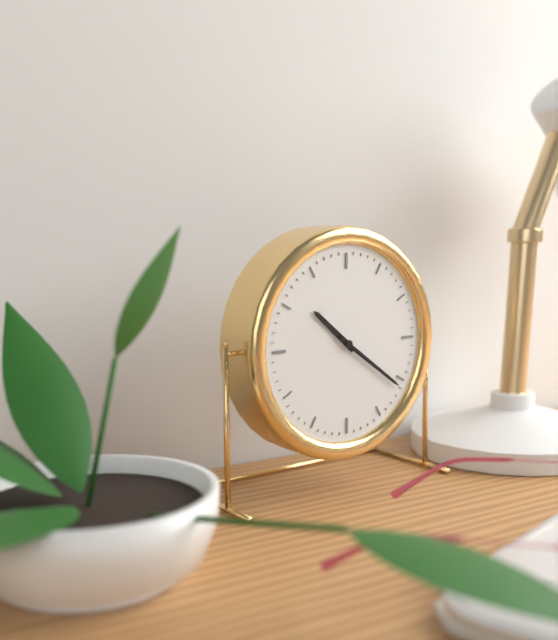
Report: 10:21
